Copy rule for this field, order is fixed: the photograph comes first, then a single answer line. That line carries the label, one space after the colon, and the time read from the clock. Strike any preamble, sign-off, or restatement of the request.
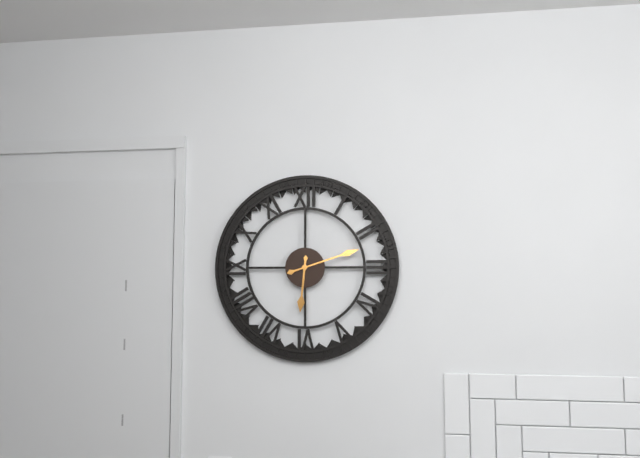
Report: 6:12
